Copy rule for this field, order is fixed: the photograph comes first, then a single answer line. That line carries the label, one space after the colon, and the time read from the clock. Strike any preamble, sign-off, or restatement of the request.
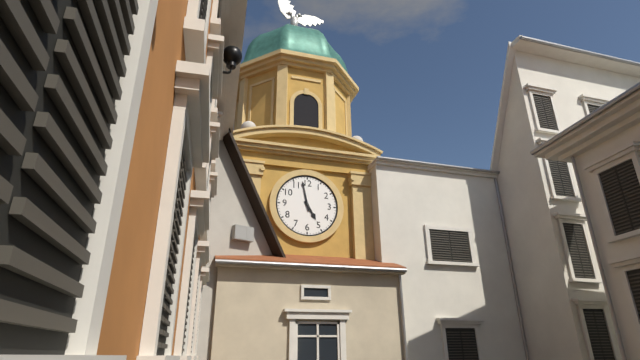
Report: 4:58
